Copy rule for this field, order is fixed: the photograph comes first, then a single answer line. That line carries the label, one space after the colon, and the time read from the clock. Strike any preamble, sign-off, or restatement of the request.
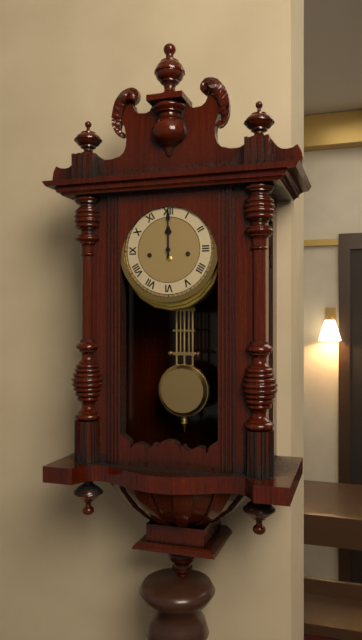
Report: 12:00
